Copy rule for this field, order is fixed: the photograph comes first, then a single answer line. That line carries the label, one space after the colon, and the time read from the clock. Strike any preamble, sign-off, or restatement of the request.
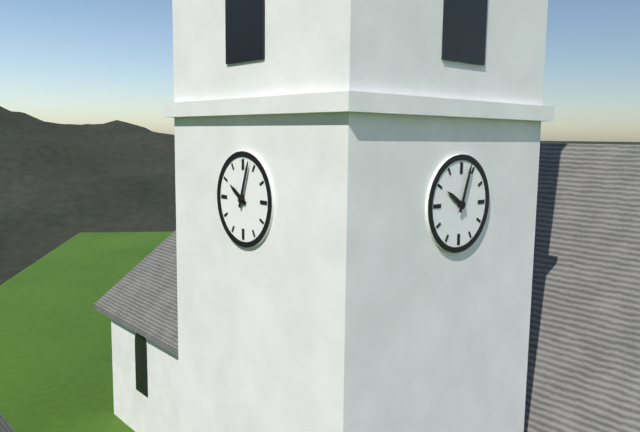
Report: 10:03
